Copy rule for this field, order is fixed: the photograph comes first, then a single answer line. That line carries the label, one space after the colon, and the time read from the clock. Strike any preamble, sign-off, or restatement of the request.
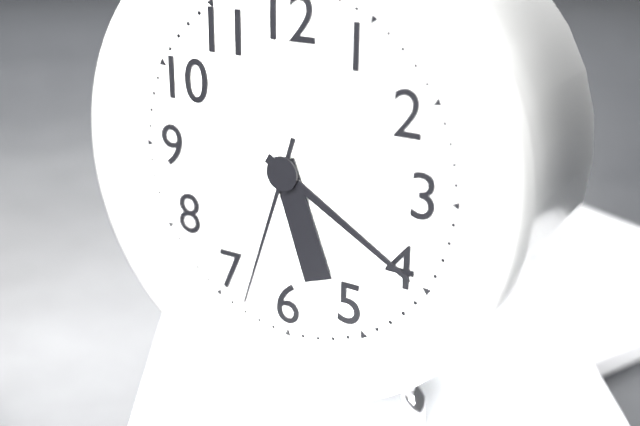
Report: 5:20:33
